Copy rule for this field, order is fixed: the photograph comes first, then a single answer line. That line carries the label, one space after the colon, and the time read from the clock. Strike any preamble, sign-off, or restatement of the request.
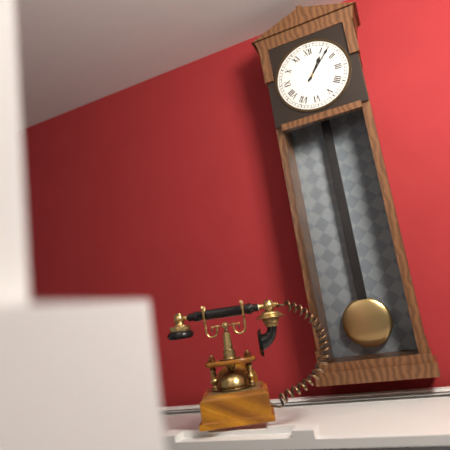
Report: 1:07
